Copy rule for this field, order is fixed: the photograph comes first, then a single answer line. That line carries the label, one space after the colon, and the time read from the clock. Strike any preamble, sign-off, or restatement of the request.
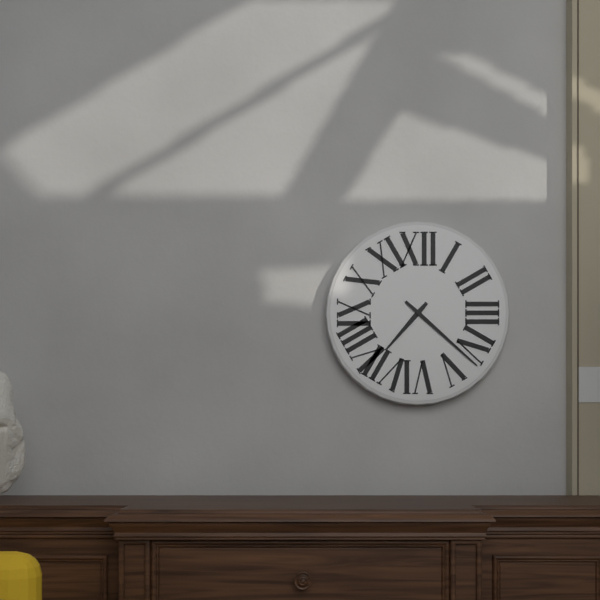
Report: 7:22
